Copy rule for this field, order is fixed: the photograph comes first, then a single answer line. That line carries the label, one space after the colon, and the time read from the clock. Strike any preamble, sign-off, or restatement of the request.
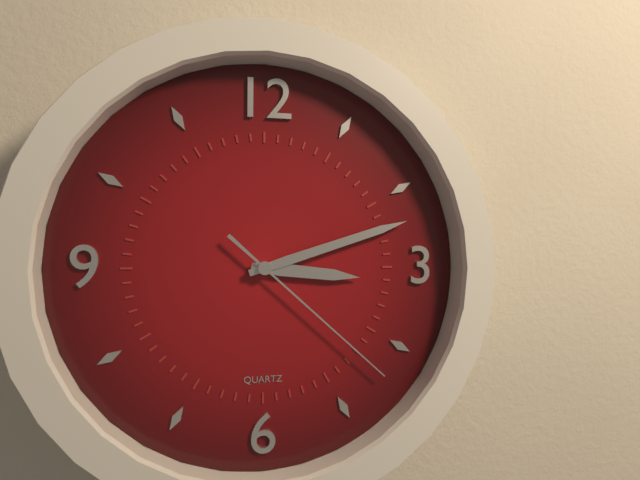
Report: 3:12:22
